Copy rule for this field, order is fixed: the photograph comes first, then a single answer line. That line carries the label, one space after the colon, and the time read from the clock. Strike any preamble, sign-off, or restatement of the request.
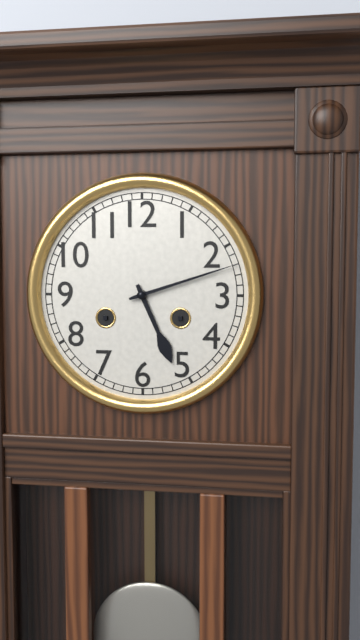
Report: 5:12
